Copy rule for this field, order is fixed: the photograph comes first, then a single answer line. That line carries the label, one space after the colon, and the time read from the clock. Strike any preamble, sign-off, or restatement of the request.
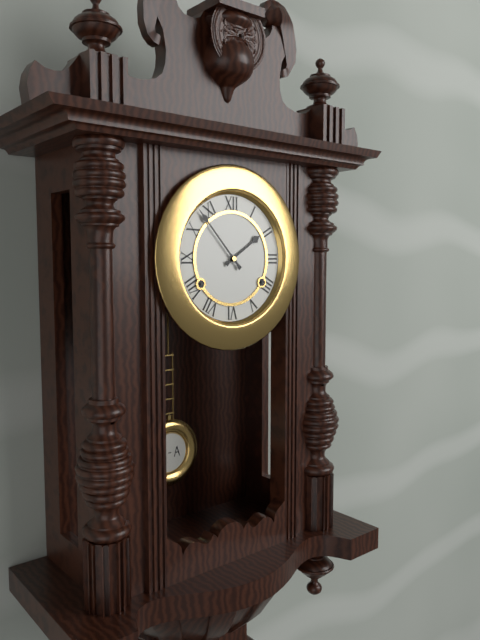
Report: 1:53
